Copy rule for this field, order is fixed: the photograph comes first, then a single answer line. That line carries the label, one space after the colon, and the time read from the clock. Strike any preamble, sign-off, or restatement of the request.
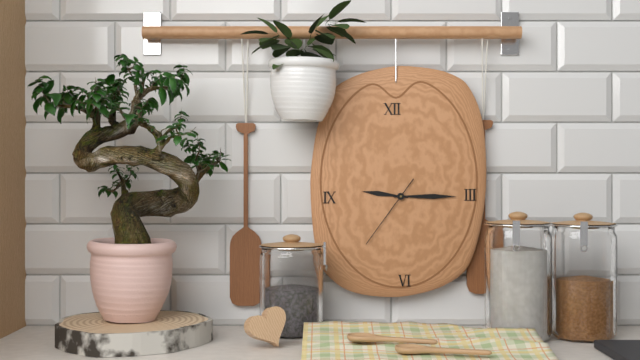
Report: 9:15:36
